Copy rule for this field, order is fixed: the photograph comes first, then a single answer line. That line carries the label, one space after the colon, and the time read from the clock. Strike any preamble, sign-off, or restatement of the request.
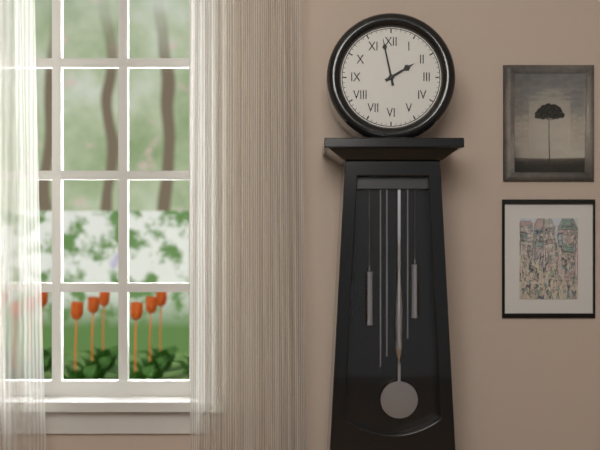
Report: 1:58
